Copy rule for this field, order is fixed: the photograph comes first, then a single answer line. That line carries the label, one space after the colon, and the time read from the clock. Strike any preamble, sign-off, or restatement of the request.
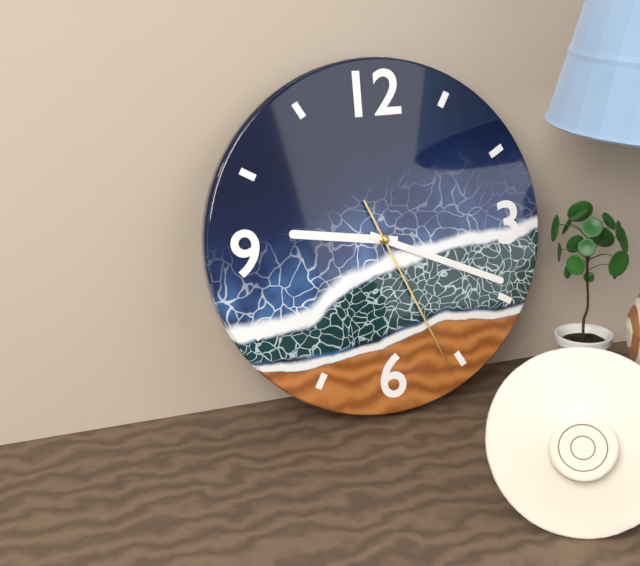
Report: 9:19:26
